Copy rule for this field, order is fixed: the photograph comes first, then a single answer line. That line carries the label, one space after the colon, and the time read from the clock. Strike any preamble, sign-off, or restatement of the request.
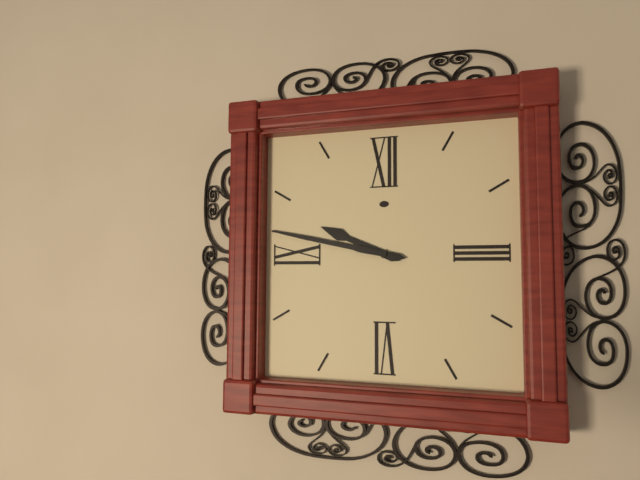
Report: 9:47
